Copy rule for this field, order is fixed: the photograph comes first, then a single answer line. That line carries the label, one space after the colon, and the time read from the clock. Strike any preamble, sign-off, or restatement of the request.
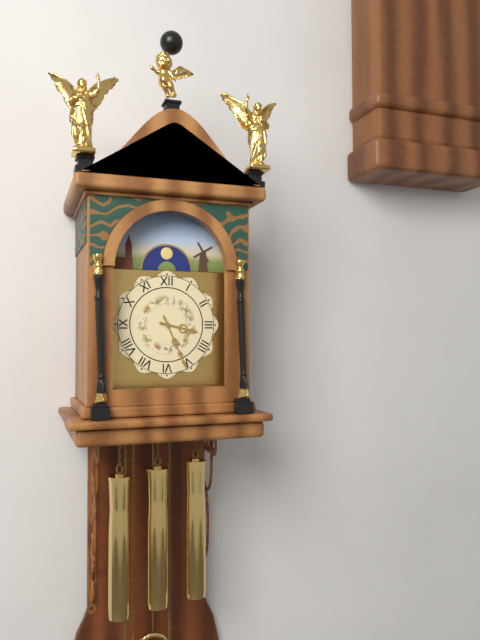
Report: 3:26
